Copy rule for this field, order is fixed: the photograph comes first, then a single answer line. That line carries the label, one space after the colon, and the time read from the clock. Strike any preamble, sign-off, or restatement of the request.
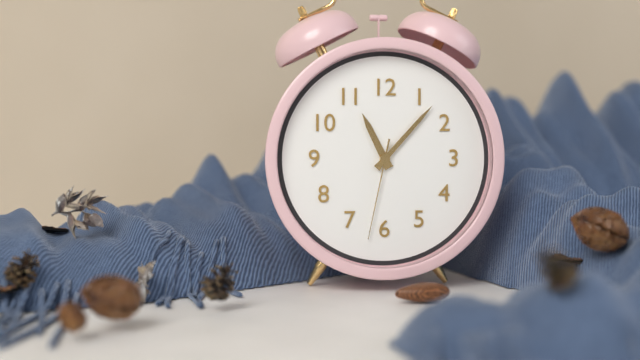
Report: 11:07:32
